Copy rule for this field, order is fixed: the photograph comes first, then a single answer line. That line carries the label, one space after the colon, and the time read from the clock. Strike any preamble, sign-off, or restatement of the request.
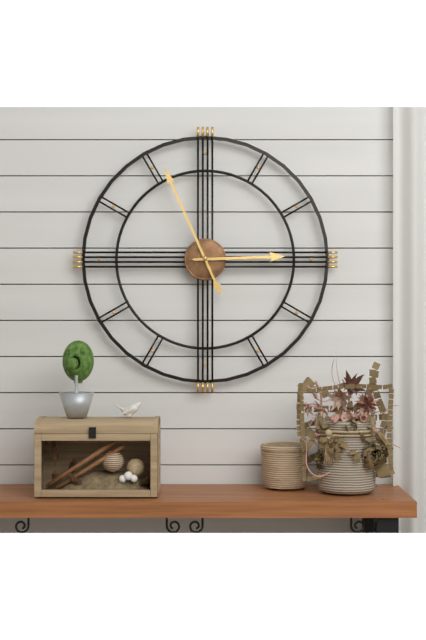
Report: 2:56
